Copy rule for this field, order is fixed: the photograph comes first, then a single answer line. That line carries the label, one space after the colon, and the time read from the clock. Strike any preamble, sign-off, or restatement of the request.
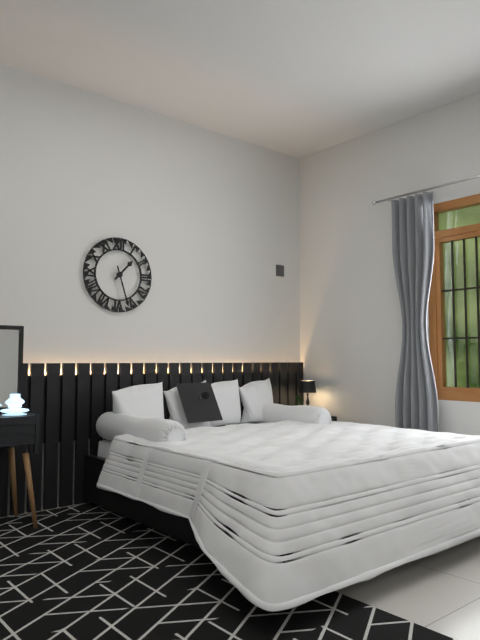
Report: 1:27
